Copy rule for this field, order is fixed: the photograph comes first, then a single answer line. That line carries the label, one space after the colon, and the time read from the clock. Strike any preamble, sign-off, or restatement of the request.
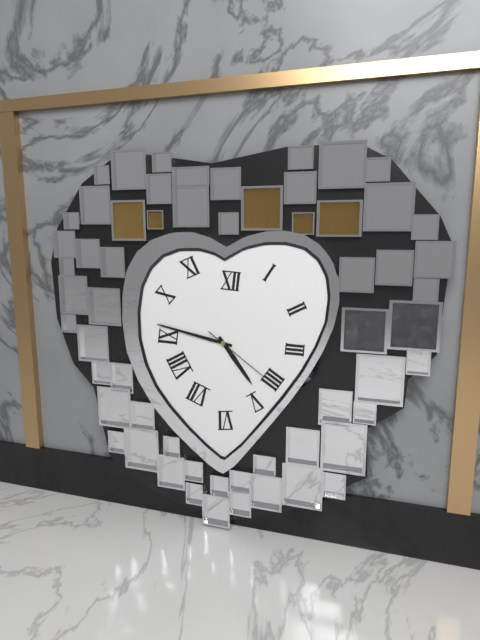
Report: 4:47:21
